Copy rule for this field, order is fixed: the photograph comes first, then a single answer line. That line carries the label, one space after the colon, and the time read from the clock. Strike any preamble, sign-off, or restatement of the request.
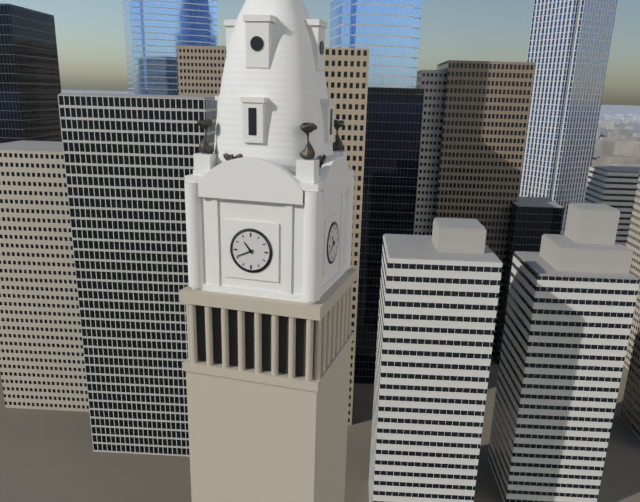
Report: 10:41
